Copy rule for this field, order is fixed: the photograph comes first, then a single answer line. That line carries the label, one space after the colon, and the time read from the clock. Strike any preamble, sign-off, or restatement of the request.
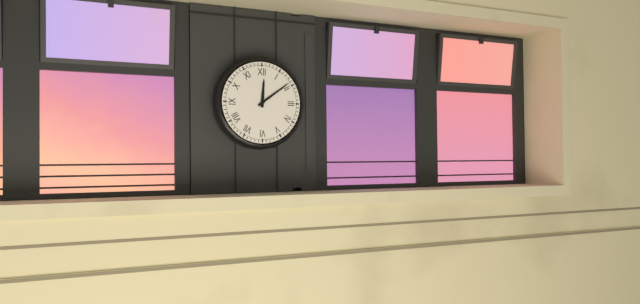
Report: 12:09
